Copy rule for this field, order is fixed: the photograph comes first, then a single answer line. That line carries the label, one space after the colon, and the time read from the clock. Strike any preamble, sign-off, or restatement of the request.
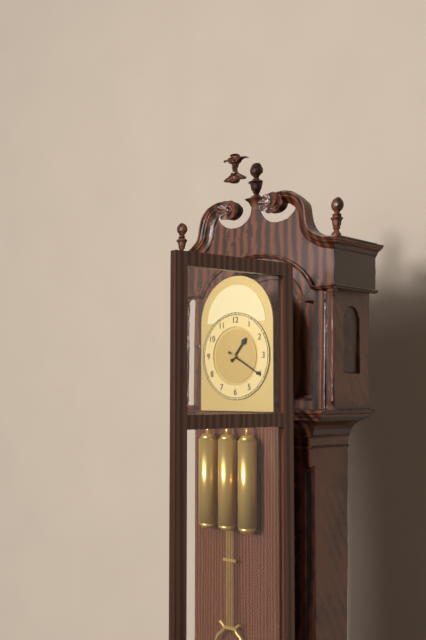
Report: 1:20
